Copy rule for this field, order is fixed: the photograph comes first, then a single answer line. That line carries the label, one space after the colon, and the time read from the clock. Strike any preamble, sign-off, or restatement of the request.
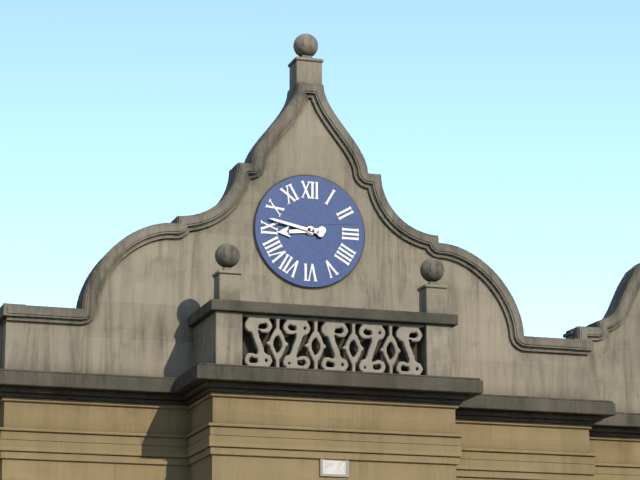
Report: 8:47
